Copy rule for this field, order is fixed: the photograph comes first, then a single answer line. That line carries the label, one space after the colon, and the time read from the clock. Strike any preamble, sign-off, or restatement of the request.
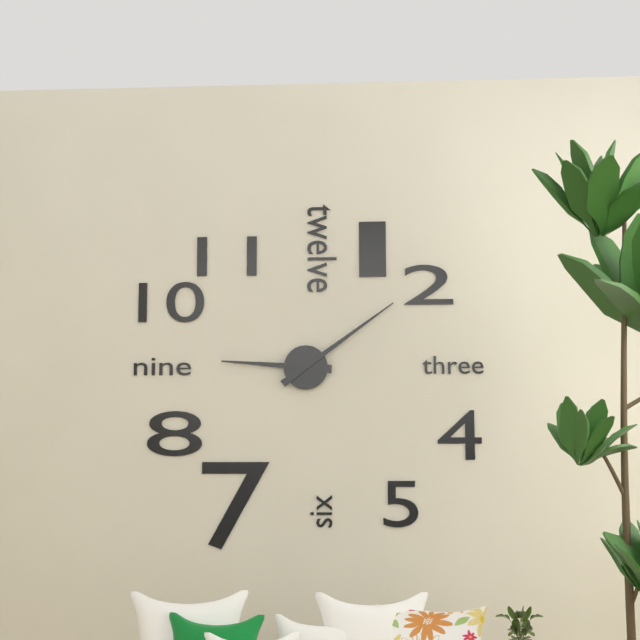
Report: 9:09
